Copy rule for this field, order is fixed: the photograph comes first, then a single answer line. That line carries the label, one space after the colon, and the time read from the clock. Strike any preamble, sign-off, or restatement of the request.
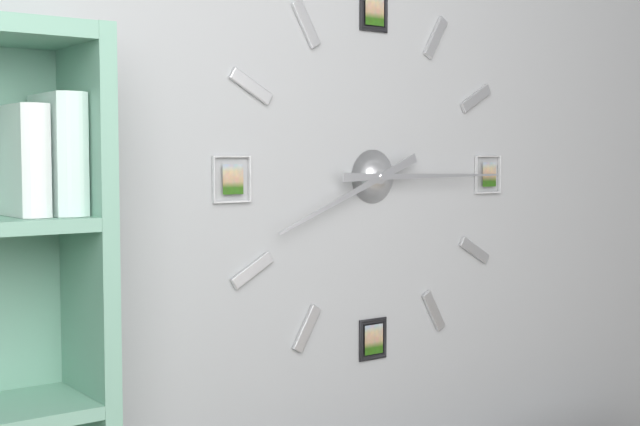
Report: 8:15
